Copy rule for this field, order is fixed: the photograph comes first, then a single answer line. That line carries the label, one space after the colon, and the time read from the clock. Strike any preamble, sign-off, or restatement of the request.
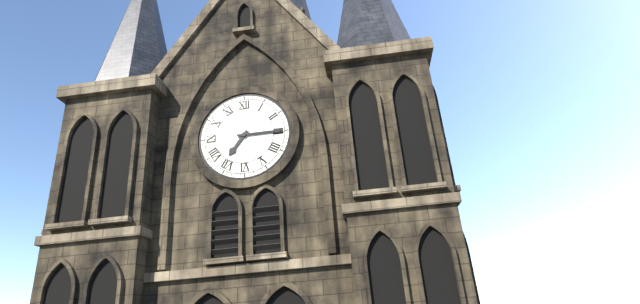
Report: 7:15
